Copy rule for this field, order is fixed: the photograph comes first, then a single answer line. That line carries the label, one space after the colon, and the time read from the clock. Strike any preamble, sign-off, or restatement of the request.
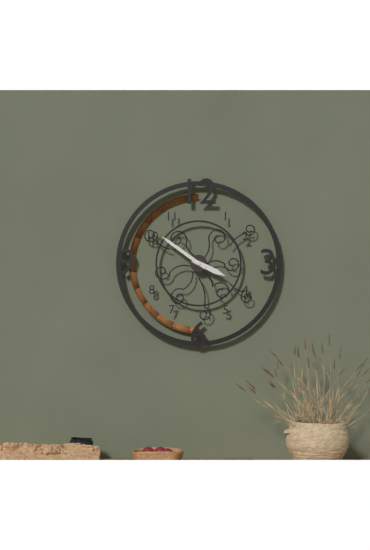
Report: 3:51
